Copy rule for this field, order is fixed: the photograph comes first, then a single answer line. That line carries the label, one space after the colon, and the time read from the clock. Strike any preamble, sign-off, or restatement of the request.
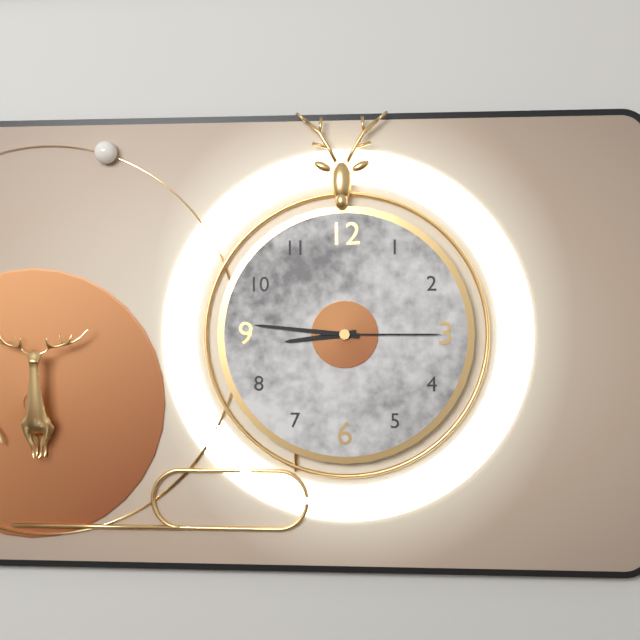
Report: 8:46:15
